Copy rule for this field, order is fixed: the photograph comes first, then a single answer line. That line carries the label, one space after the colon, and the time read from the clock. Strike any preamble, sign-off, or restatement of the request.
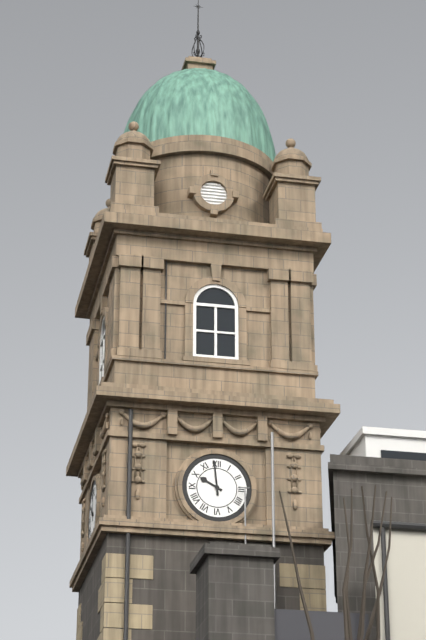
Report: 9:59
